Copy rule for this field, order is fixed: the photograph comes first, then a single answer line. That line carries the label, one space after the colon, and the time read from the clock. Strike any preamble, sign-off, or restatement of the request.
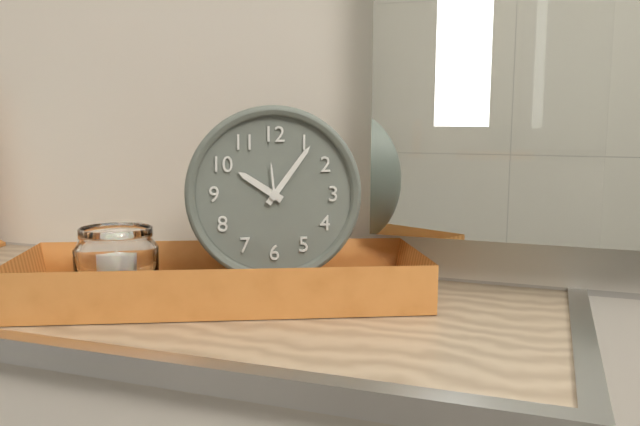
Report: 10:06
